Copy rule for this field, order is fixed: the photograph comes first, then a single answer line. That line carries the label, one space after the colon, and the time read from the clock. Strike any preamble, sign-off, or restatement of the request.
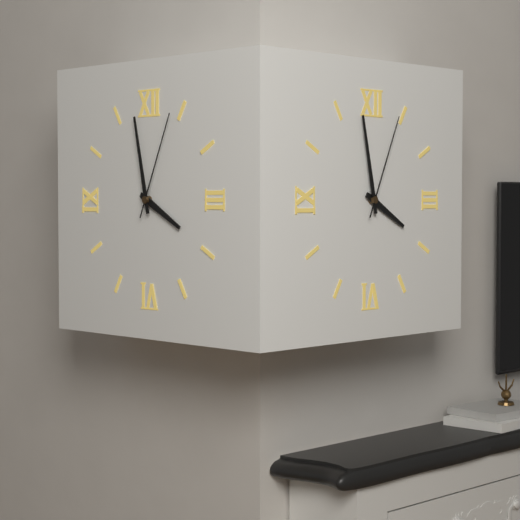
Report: 3:58:04
